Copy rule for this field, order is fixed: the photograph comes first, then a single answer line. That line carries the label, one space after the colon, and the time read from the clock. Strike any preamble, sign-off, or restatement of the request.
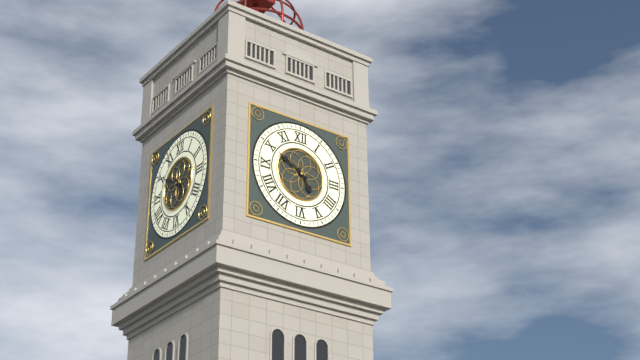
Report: 4:50
